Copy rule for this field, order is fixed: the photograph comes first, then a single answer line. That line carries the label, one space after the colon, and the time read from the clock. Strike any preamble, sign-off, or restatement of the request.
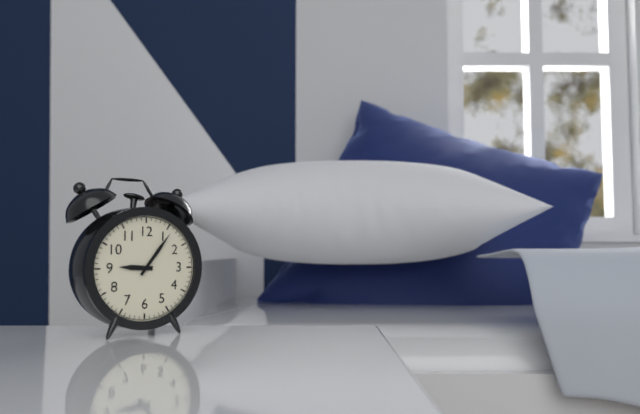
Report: 9:06
